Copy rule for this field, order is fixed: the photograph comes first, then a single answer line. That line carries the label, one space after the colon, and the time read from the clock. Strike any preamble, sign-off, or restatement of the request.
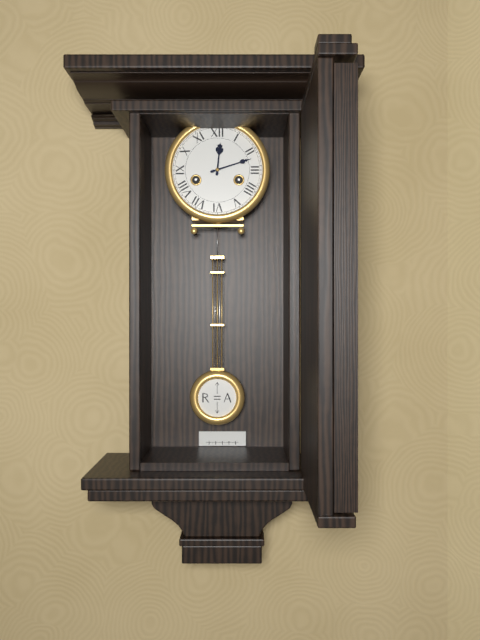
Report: 12:12
